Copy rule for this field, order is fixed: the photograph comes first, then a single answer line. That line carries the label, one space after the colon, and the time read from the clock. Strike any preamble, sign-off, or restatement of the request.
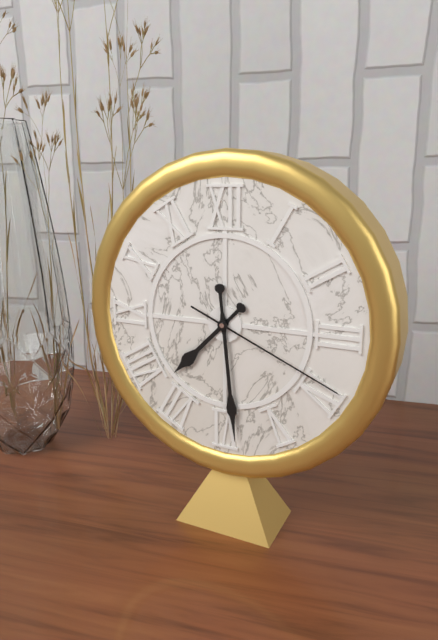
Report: 7:29:19
